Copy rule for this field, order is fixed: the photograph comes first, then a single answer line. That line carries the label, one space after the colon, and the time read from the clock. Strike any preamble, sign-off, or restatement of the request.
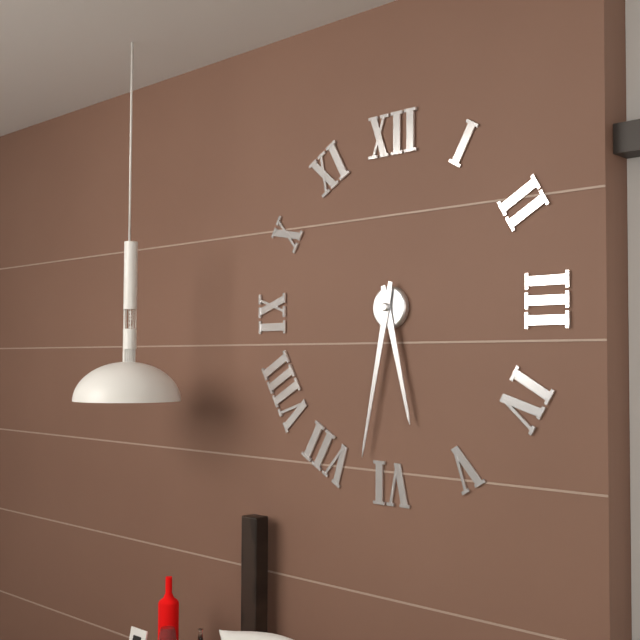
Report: 5:32
